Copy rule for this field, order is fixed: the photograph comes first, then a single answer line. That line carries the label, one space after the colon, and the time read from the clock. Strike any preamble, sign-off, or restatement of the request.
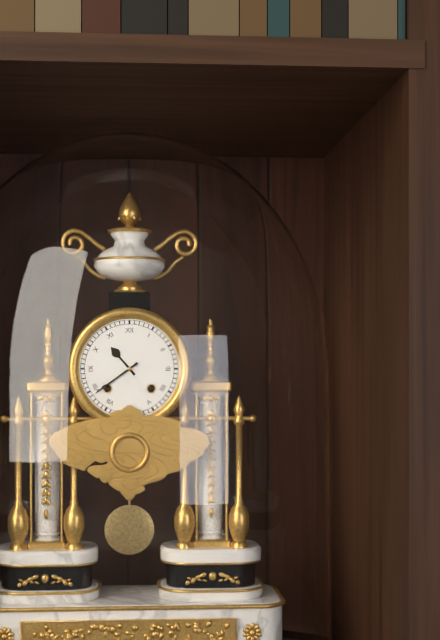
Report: 10:39
